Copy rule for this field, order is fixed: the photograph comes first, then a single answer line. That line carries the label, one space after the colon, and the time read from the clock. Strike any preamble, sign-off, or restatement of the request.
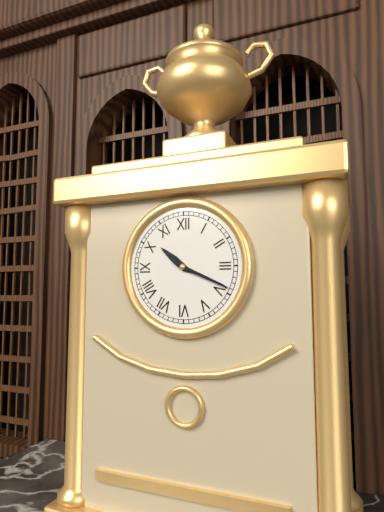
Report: 10:19
